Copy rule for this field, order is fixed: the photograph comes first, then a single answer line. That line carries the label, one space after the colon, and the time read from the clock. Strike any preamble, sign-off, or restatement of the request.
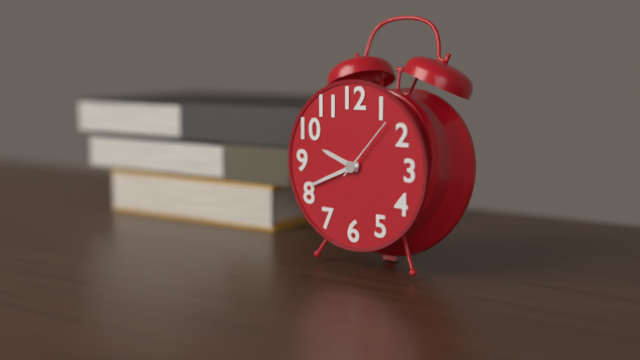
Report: 9:41:07
